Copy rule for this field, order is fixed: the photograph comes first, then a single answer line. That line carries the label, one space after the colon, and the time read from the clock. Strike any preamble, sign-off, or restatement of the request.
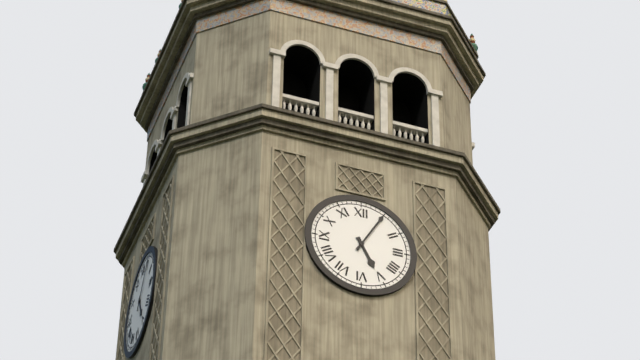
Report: 5:05
